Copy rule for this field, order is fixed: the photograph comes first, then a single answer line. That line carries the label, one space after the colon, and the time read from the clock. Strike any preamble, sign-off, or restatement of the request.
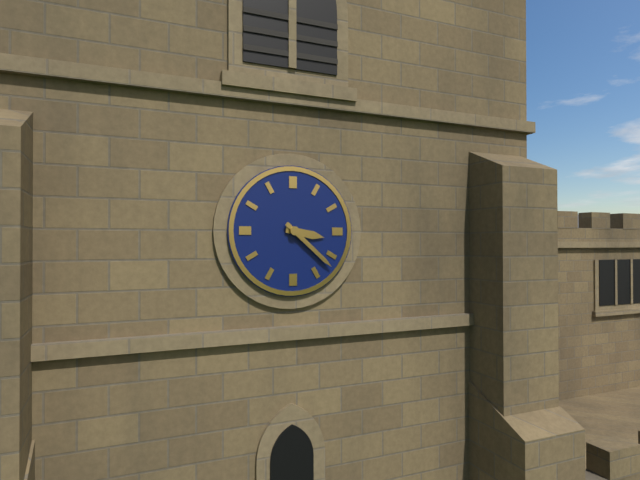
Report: 3:22
